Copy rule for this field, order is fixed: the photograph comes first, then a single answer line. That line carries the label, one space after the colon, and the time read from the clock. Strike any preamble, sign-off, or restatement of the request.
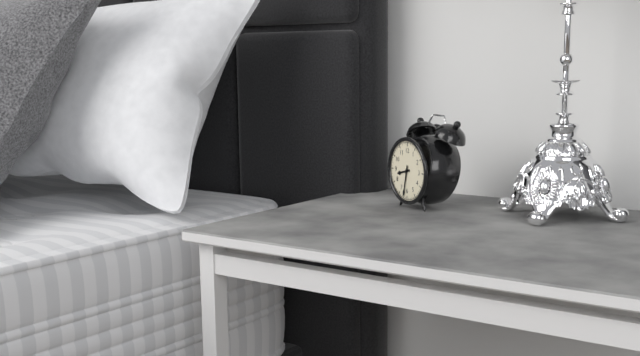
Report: 8:32
